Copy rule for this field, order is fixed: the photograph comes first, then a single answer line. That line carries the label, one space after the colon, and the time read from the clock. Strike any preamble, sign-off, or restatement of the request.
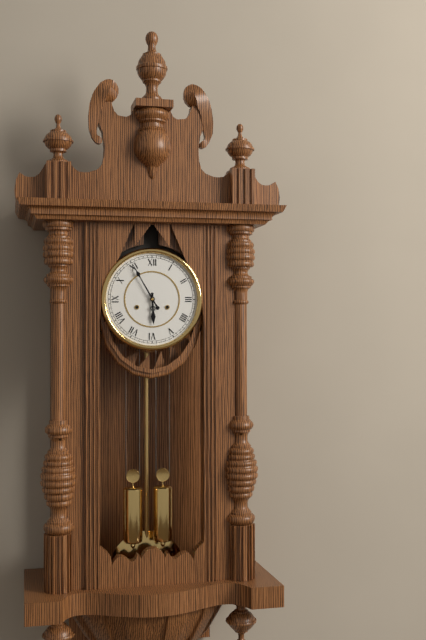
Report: 5:55
